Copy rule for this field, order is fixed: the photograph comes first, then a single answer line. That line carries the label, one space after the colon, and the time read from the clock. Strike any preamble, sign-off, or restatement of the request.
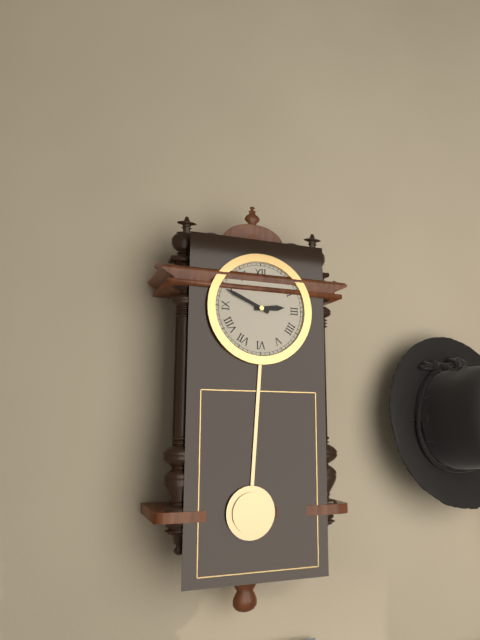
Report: 2:49
